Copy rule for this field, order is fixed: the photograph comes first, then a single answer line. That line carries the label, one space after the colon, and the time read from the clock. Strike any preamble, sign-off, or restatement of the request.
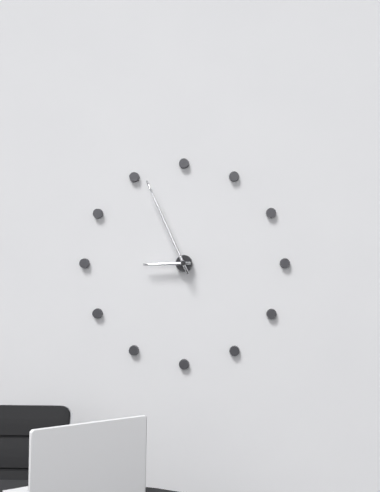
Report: 8:56
